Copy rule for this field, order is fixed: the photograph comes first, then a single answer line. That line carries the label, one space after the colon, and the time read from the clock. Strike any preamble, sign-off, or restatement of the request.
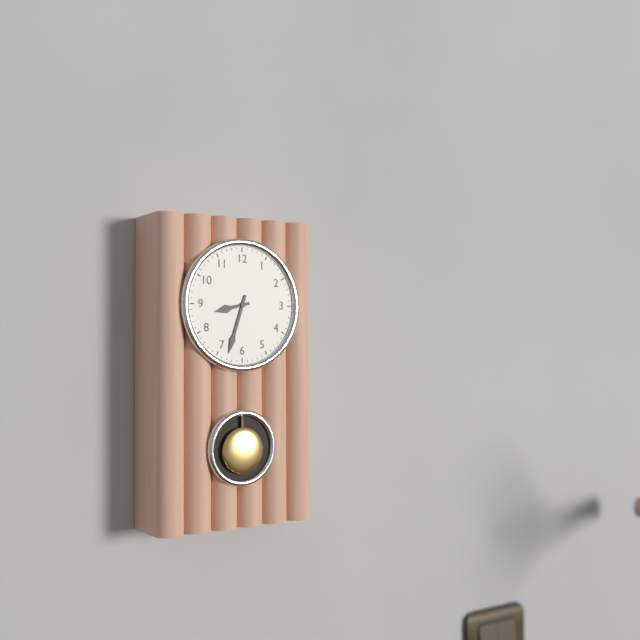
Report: 8:33
